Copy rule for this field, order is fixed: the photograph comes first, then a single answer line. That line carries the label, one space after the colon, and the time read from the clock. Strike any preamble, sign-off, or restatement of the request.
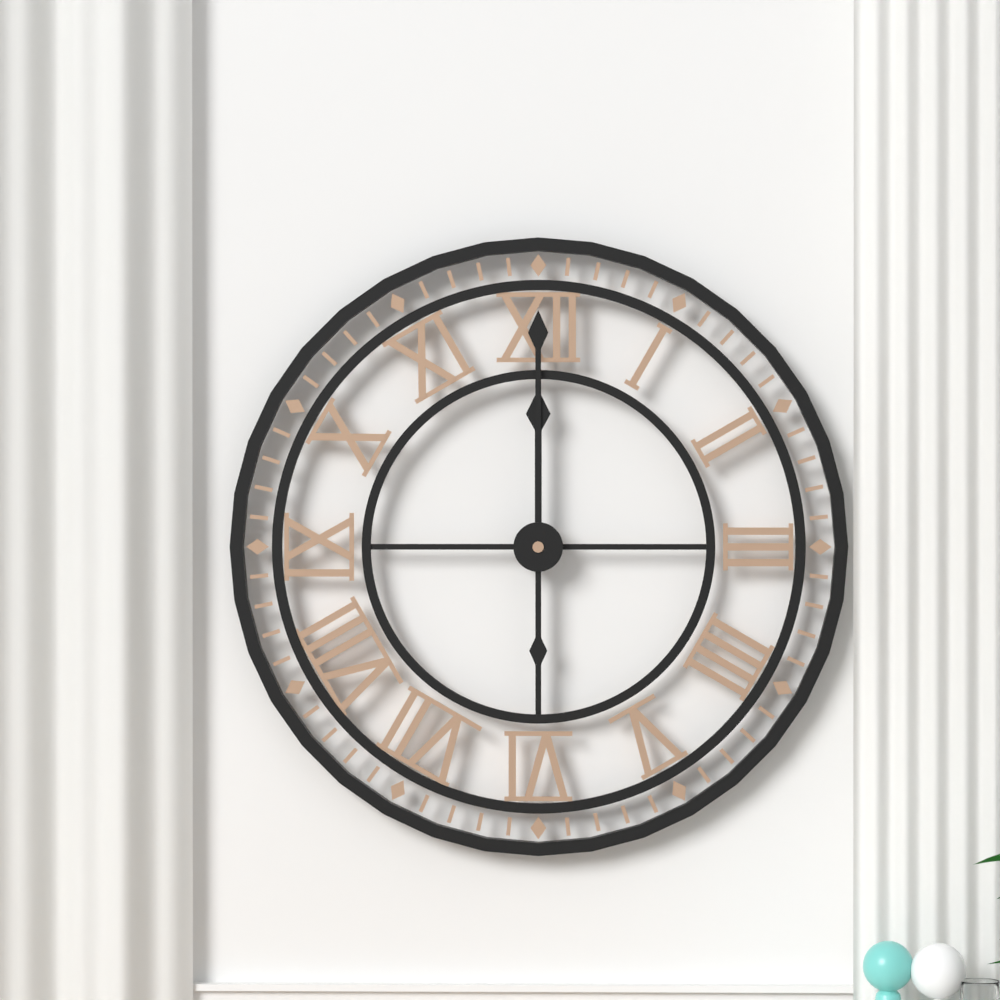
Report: 12:00
